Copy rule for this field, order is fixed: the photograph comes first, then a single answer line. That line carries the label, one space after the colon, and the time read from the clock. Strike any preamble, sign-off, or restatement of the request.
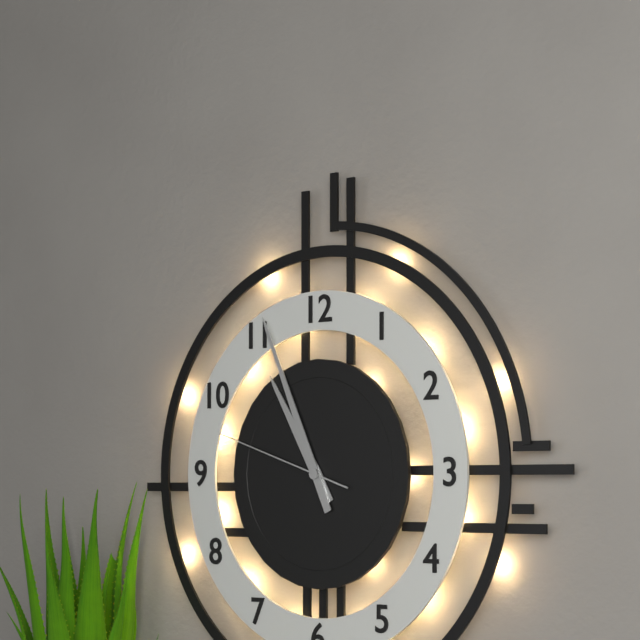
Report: 10:56:48
